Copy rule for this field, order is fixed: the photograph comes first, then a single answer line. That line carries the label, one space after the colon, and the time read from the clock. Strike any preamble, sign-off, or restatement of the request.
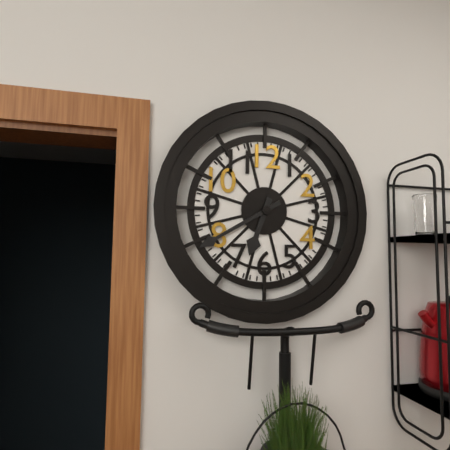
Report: 6:40
